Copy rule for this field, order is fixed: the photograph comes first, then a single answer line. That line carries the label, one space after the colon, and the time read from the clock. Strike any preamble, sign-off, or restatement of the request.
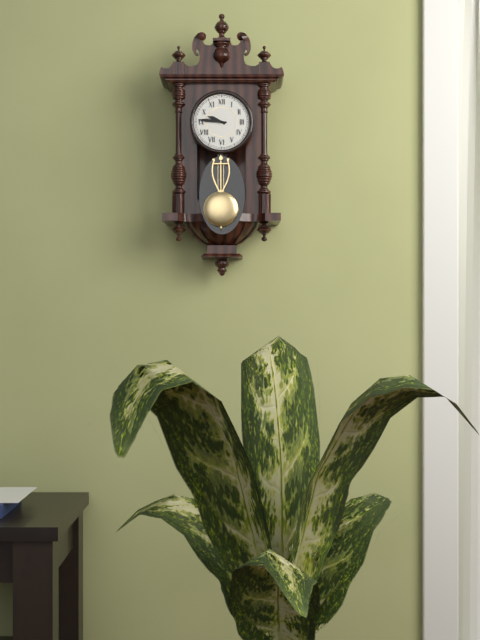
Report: 9:46
